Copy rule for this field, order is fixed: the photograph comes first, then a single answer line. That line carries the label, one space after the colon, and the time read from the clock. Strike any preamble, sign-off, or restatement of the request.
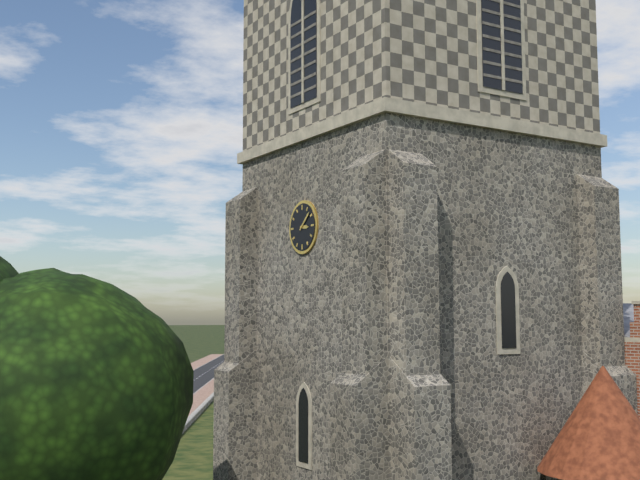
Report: 3:08
